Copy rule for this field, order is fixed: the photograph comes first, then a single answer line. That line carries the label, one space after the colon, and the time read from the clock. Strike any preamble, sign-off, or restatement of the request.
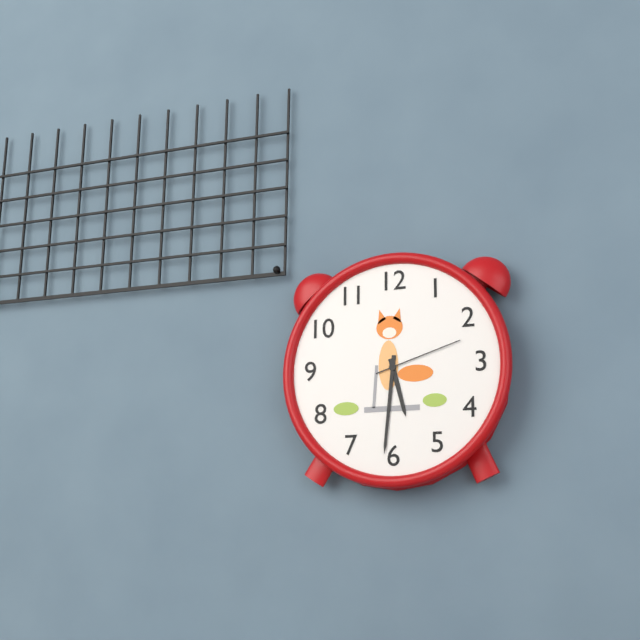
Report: 5:31:12
